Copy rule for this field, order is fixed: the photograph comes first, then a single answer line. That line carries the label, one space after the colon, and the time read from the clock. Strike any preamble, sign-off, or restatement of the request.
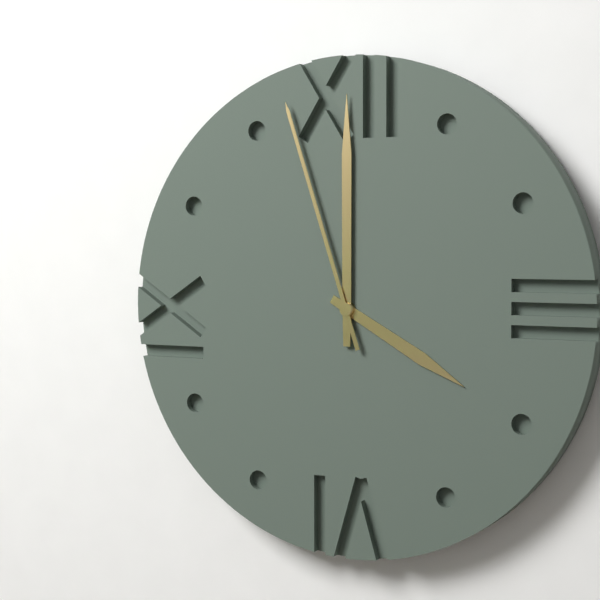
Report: 4:00:57
